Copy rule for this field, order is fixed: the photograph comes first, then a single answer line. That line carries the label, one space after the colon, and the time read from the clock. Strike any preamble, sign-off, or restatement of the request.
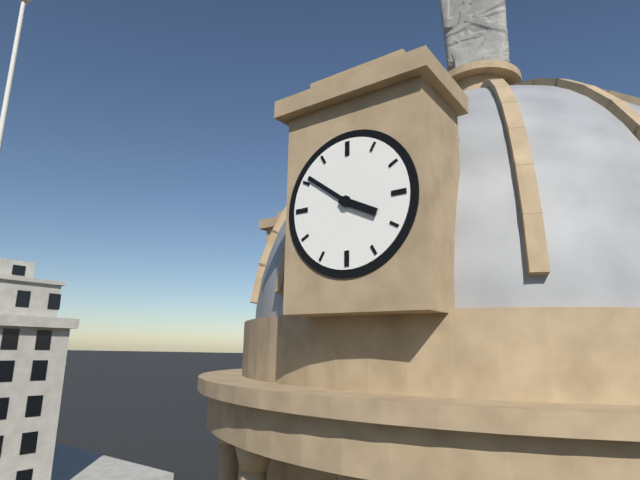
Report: 3:51
